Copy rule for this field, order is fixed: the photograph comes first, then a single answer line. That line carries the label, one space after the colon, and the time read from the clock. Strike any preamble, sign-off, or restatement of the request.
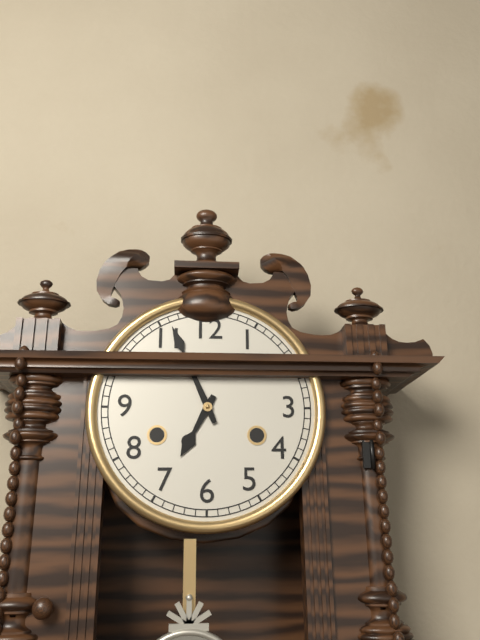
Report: 6:56
